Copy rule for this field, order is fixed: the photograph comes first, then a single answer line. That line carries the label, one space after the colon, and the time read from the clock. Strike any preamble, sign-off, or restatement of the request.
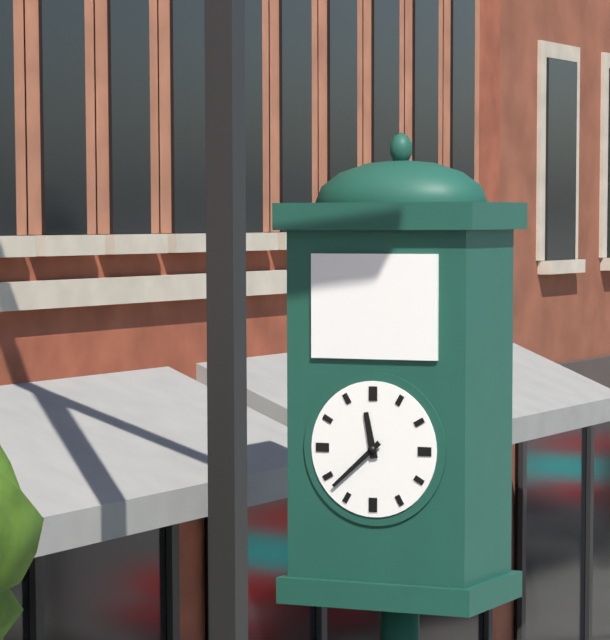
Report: 11:38
